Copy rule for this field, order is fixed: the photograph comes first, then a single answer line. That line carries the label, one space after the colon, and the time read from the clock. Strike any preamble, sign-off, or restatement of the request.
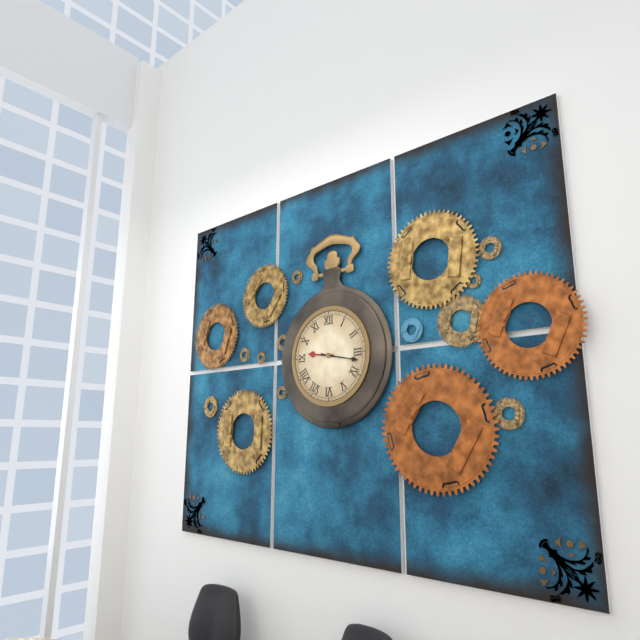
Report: 9:17
